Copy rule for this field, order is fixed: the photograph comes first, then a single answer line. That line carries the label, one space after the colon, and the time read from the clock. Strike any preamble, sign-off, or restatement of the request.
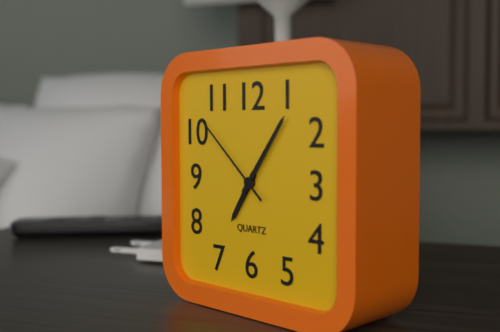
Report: 7:06:52
